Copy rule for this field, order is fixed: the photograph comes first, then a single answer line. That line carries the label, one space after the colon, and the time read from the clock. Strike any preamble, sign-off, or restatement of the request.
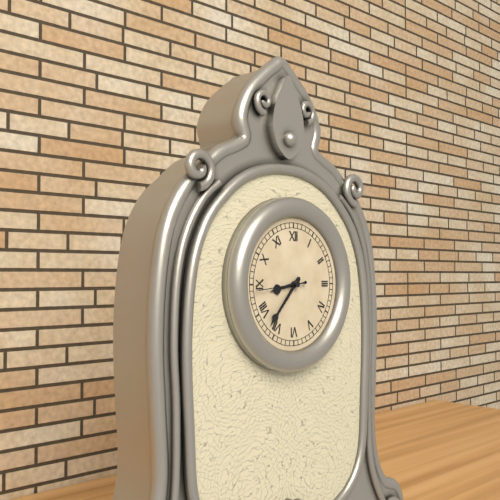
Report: 8:37:44
